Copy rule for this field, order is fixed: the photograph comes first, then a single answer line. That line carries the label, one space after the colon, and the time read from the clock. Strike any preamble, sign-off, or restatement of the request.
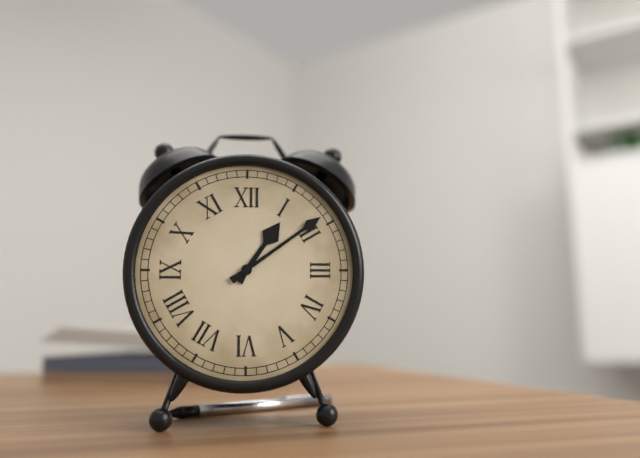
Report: 1:09
